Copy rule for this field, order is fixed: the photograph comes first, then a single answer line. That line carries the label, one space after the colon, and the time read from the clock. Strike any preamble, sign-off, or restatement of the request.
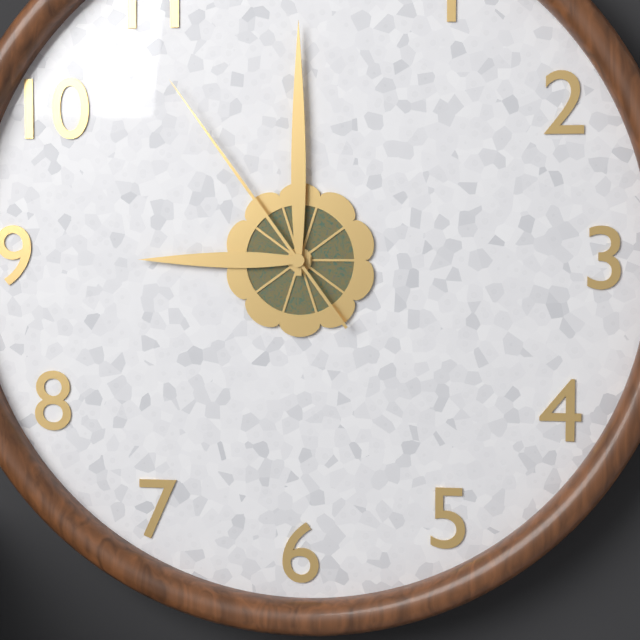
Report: 9:00:54
